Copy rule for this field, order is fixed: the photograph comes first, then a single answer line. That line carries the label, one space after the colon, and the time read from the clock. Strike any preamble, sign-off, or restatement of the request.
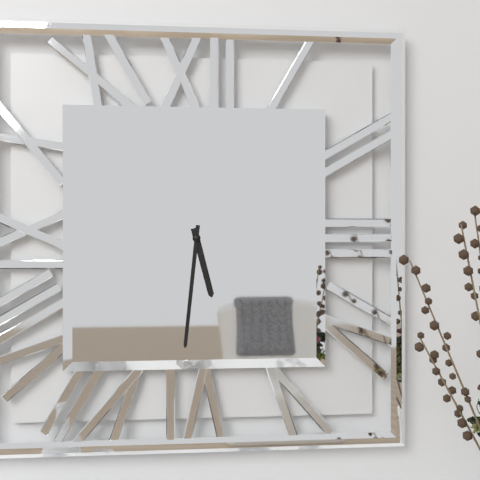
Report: 5:31
